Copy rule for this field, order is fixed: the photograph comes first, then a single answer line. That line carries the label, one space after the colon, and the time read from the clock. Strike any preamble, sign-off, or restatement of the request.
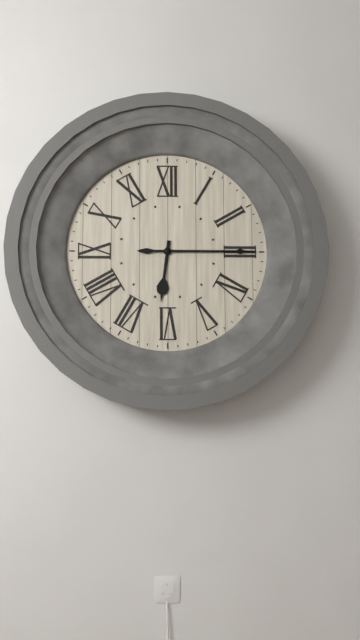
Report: 6:15
